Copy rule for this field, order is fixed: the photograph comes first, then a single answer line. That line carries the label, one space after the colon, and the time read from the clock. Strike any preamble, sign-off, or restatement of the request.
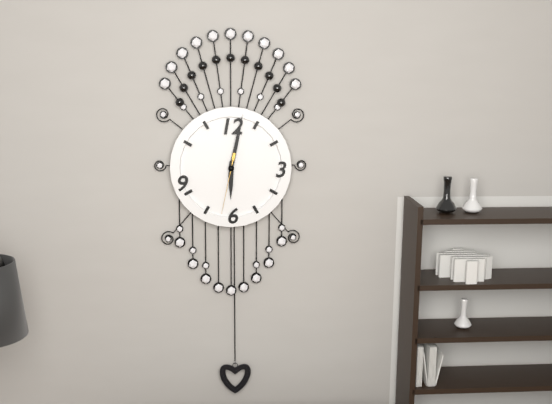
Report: 6:02:32
